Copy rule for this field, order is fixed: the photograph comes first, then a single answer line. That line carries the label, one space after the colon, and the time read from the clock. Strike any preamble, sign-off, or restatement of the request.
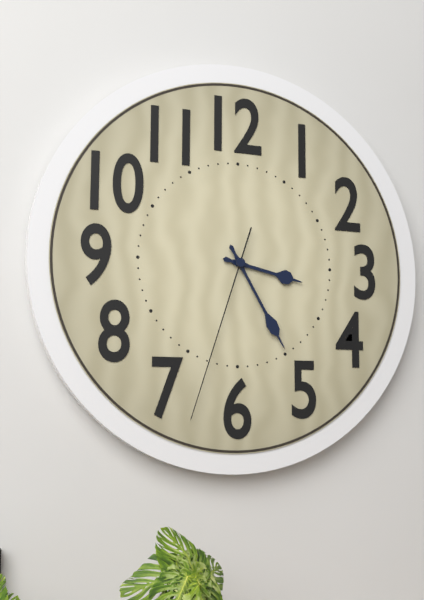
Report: 3:25:33
